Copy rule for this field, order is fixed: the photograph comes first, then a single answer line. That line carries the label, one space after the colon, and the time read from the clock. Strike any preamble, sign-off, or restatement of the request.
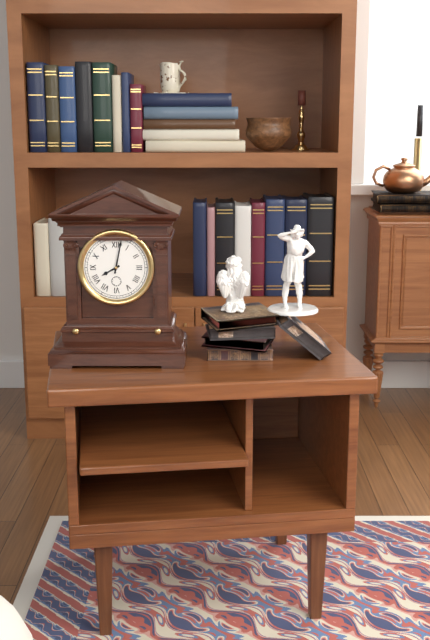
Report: 8:02
